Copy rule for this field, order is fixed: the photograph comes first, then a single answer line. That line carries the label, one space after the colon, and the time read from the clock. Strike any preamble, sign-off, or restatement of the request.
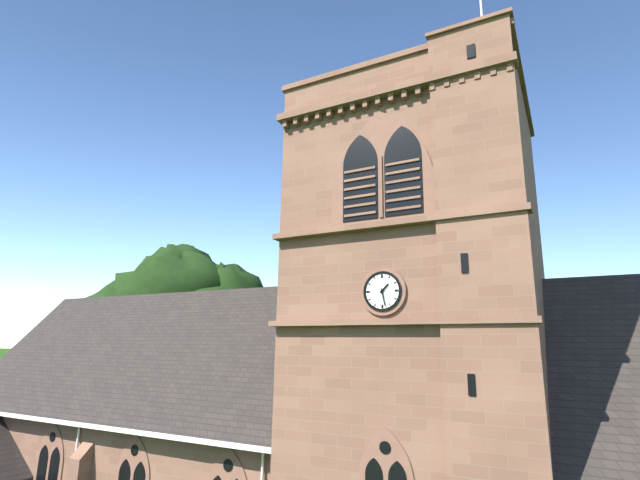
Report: 1:28
